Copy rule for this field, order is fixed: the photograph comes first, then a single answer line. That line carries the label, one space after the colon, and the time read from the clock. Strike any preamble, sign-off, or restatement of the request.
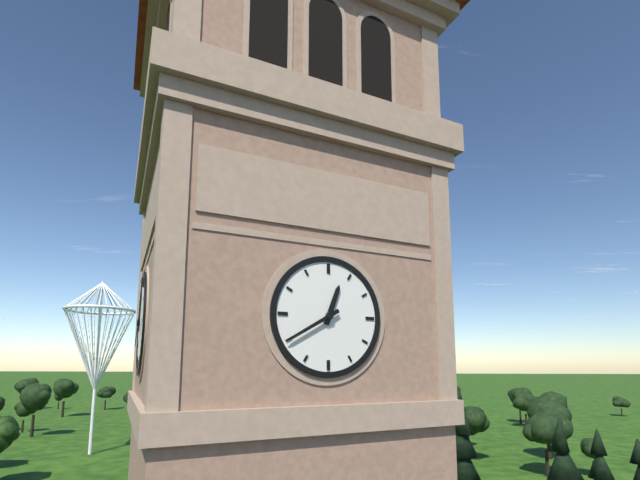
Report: 12:40
